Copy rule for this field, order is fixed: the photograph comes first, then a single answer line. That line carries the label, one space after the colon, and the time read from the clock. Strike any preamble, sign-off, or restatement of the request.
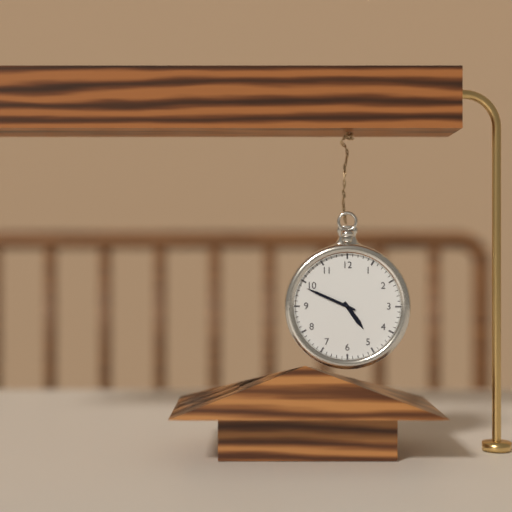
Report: 4:49
